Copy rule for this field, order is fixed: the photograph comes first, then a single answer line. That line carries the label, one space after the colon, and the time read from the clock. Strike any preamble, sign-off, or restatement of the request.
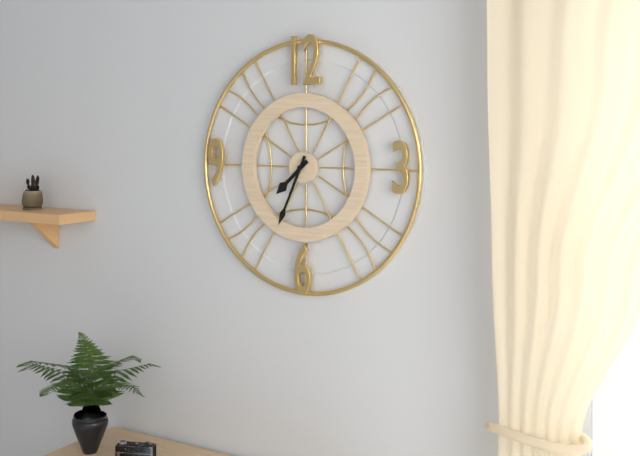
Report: 7:34
